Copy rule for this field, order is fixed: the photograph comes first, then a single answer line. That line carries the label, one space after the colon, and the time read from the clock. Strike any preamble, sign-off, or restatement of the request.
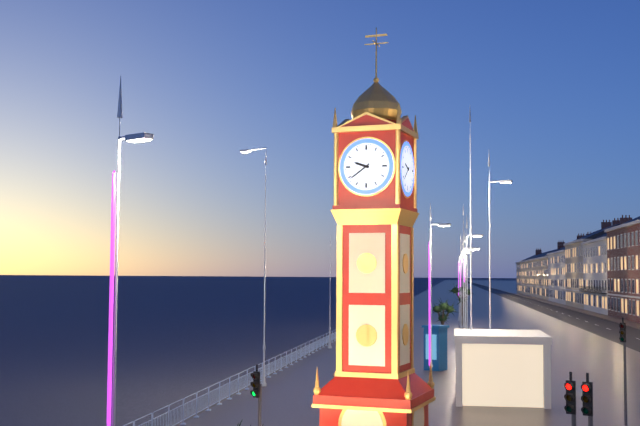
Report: 9:39
